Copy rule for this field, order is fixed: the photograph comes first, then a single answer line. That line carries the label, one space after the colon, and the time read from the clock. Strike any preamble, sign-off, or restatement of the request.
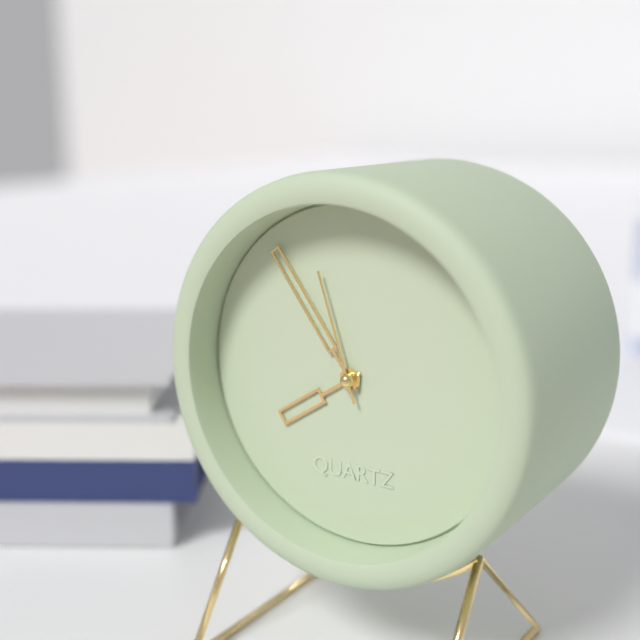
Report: 7:54:57
